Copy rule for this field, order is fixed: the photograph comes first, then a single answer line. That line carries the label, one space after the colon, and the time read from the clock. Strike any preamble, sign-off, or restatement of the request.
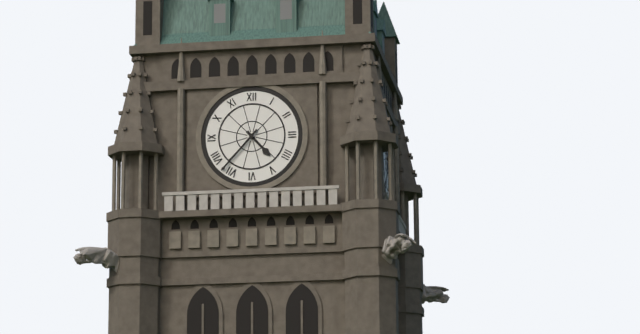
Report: 4:37
